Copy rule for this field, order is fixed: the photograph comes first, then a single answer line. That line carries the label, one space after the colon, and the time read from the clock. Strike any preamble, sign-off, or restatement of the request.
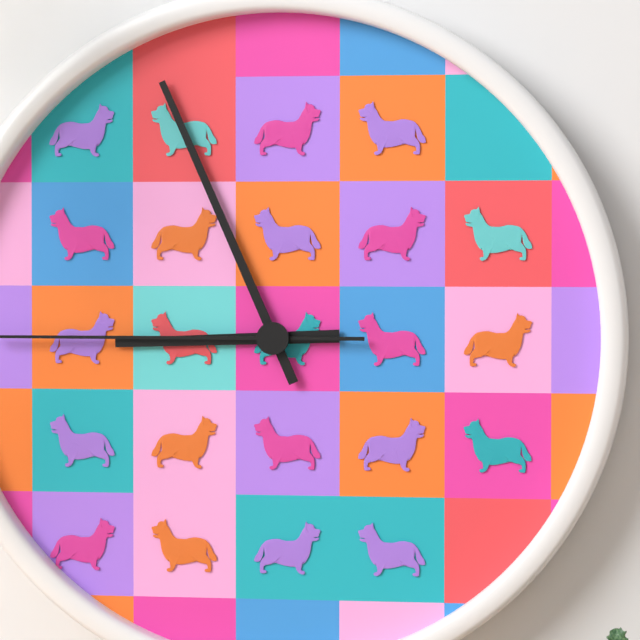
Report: 8:56
